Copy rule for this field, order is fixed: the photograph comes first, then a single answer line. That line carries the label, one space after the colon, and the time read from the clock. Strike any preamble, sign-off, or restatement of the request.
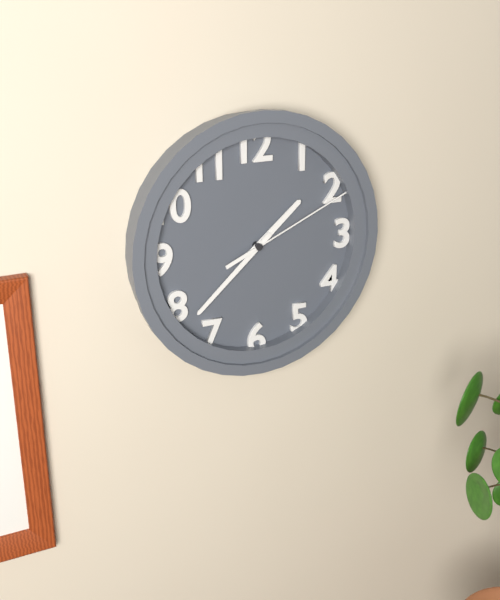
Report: 1:38:11
